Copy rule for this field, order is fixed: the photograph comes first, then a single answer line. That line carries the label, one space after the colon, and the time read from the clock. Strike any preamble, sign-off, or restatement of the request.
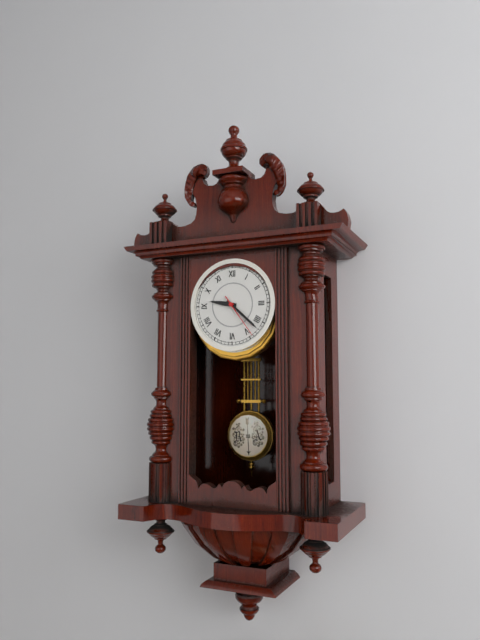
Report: 9:22
